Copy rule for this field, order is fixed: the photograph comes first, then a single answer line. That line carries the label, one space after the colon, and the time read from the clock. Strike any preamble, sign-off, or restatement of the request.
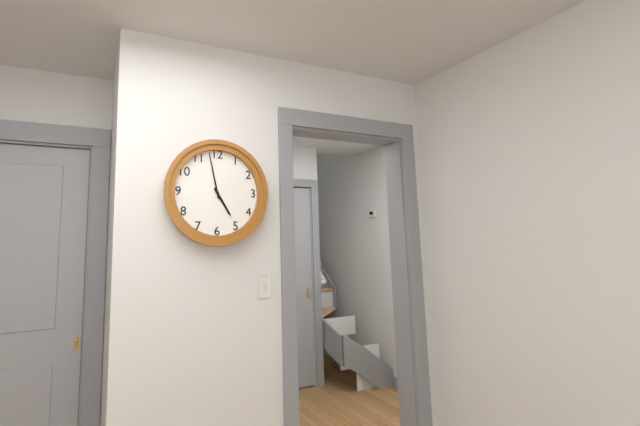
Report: 4:58
